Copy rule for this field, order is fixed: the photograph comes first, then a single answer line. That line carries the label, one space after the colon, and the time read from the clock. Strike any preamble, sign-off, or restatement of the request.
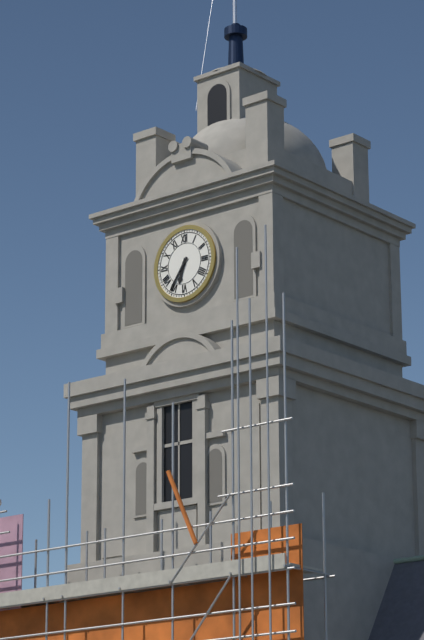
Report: 6:36
